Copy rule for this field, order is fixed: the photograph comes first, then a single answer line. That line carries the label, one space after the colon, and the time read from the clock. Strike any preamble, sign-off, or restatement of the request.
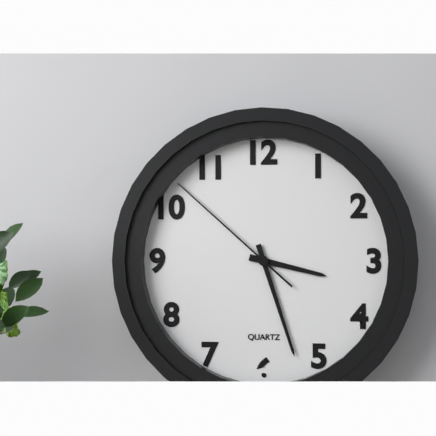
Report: 3:27:52
